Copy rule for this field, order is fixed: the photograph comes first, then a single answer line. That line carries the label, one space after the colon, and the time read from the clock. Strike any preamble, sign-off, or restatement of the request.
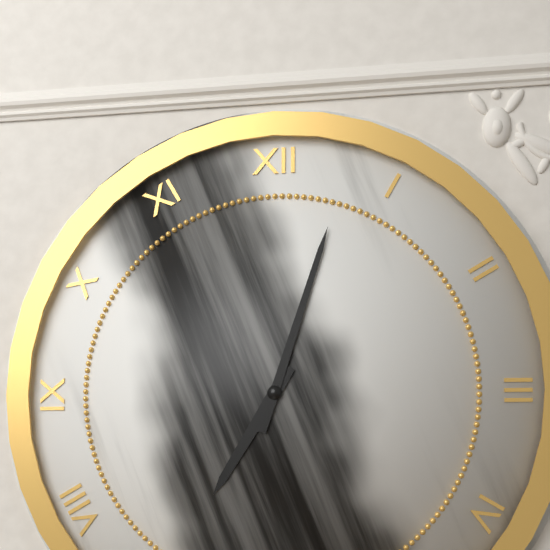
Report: 7:03
